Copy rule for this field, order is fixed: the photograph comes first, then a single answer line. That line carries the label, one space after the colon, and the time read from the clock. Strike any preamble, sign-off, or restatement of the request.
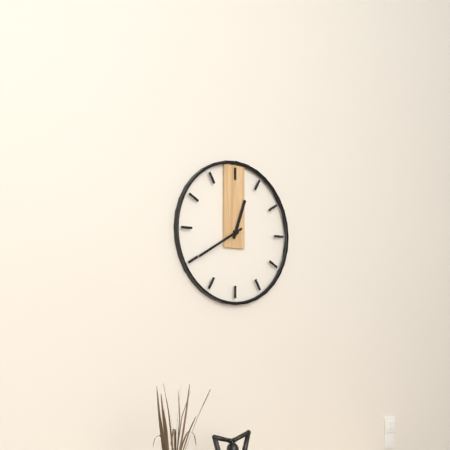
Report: 12:40
